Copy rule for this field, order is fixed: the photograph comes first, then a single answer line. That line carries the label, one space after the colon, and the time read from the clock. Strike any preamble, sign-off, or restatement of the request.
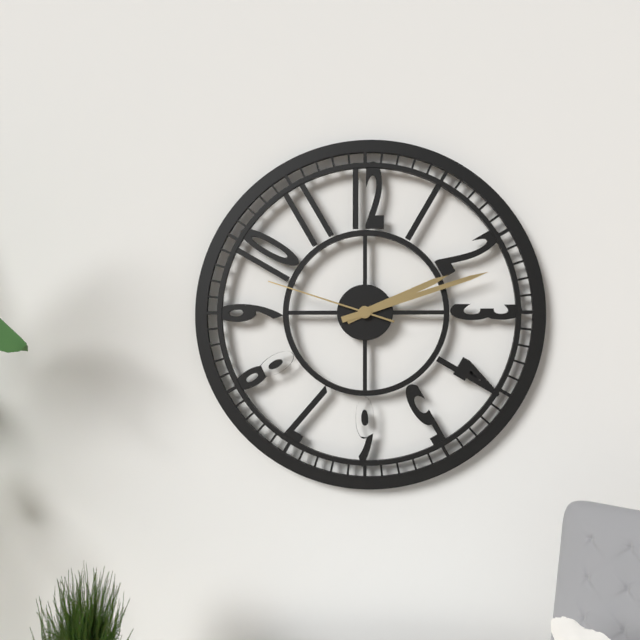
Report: 2:12:48
